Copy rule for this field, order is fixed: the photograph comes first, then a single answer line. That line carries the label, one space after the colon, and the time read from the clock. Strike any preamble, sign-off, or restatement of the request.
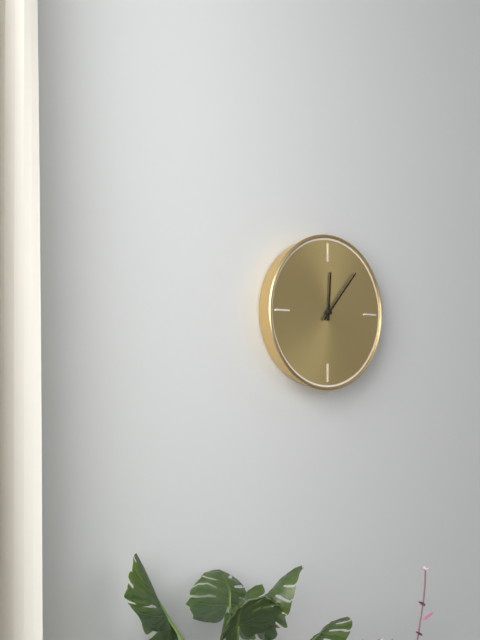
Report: 12:07
